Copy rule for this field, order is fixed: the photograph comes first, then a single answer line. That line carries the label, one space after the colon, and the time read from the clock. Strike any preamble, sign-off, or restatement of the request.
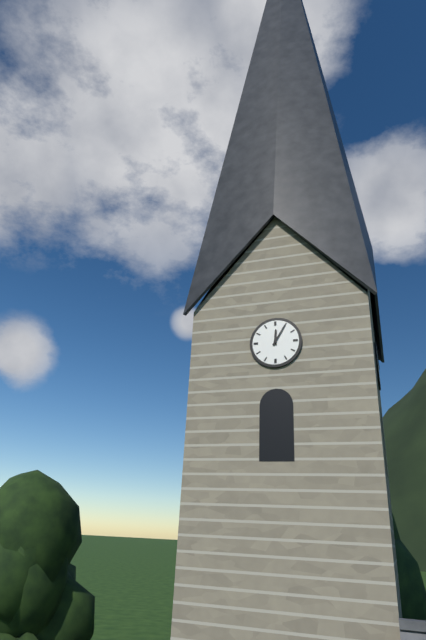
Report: 12:05
